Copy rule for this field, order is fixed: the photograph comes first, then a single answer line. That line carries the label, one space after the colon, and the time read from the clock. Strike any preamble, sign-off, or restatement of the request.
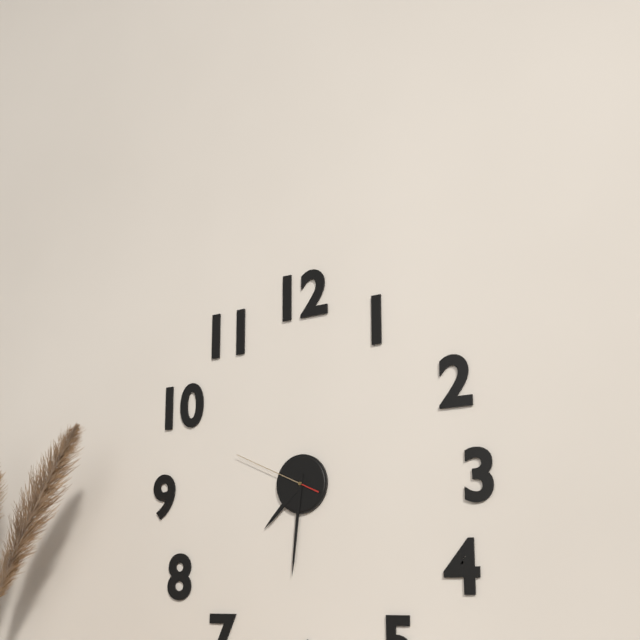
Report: 7:31:49
